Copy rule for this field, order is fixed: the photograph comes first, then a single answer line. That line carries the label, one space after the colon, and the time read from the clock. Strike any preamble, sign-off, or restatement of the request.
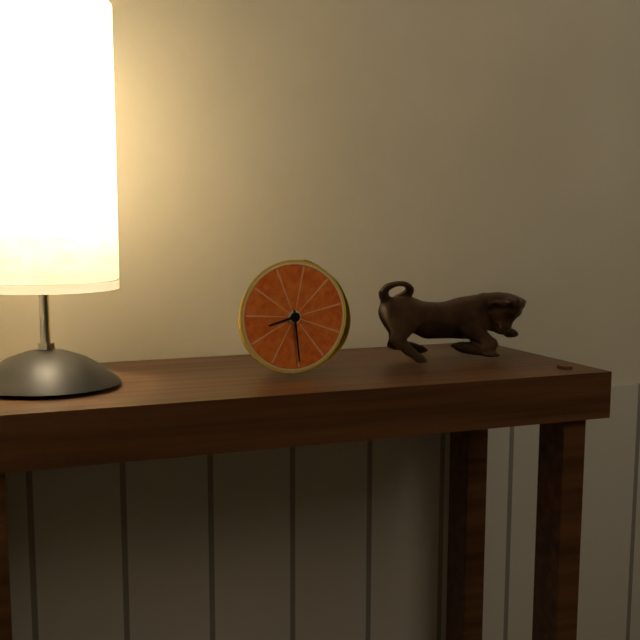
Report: 8:29
